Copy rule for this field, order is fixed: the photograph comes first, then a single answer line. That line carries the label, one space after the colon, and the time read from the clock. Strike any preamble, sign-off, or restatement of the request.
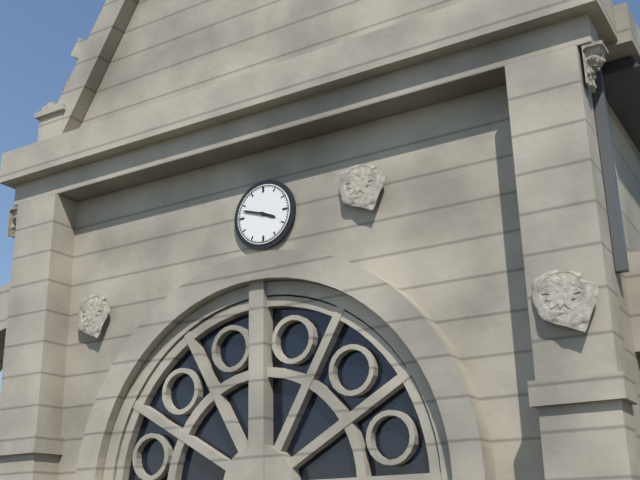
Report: 3:48
